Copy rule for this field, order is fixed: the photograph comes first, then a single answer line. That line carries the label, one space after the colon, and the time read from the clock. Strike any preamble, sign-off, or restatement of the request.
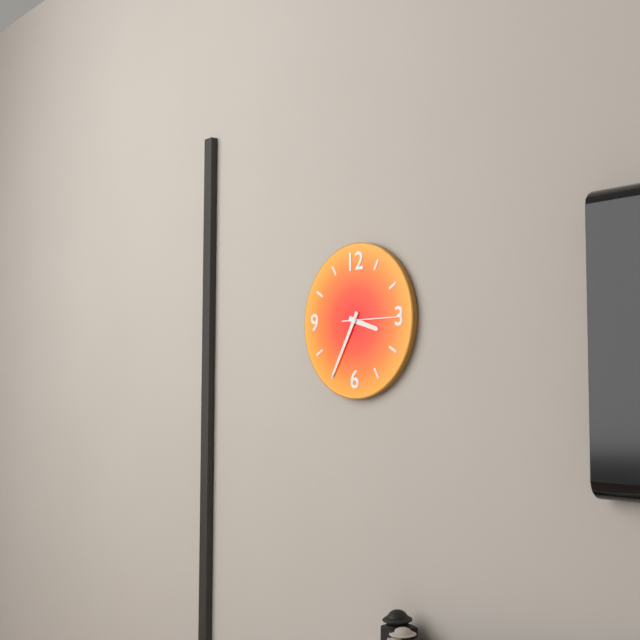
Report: 3:35:15
